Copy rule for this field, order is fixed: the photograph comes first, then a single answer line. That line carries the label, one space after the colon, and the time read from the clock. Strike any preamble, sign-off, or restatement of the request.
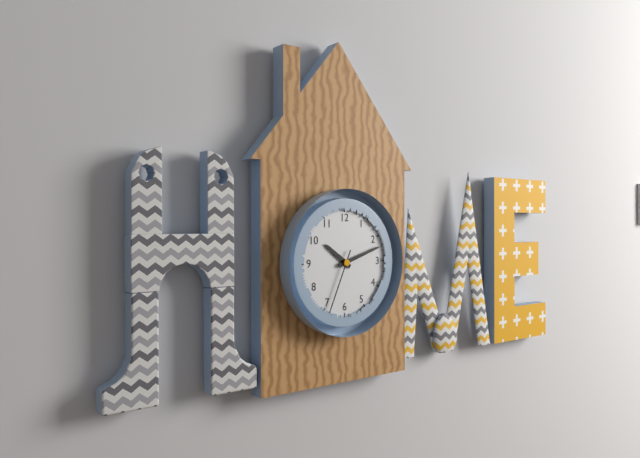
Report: 10:12:34
